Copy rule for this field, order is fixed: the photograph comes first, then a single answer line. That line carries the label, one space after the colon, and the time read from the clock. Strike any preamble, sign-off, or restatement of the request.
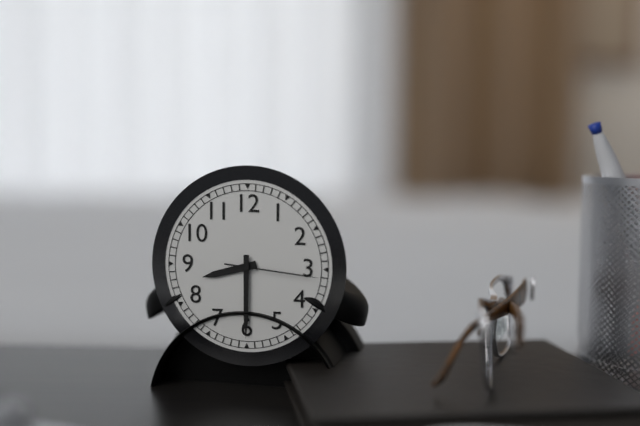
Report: 8:30:16
